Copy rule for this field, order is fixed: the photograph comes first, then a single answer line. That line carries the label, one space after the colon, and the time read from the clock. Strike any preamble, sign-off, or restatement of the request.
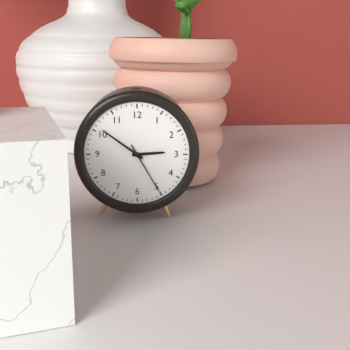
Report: 2:51:25
